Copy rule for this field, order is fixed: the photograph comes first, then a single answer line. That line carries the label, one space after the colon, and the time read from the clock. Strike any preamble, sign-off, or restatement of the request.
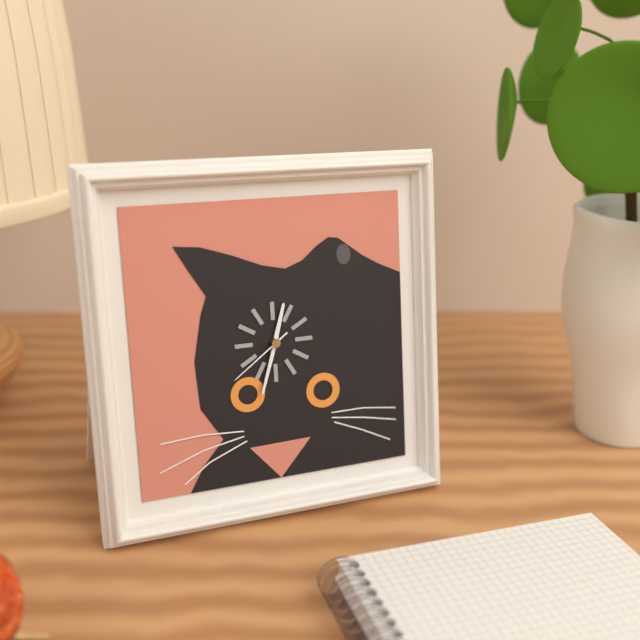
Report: 12:33:39
